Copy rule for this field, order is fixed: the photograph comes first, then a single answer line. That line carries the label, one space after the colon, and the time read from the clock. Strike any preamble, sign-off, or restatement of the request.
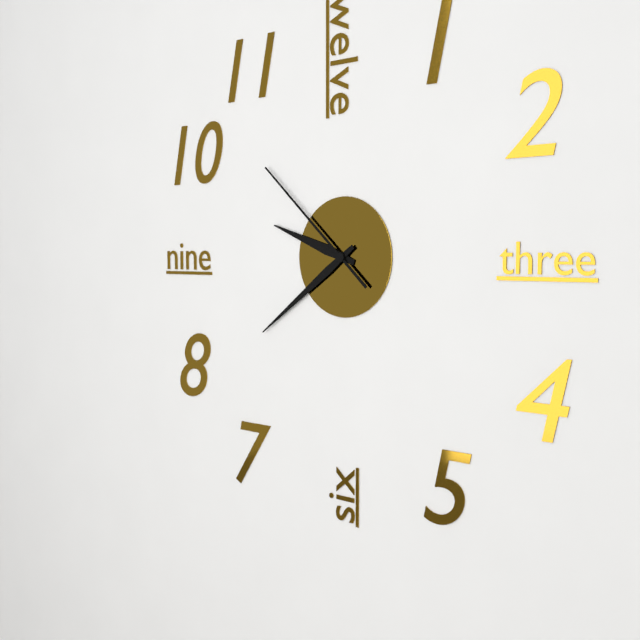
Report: 9:39:52
